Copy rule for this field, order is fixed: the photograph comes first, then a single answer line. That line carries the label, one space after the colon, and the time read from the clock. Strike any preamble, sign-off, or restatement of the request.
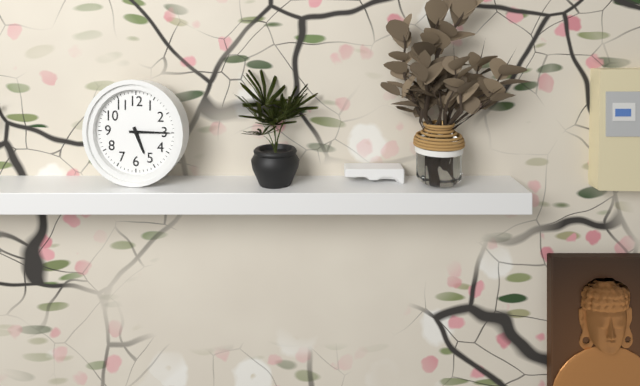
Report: 5:15
